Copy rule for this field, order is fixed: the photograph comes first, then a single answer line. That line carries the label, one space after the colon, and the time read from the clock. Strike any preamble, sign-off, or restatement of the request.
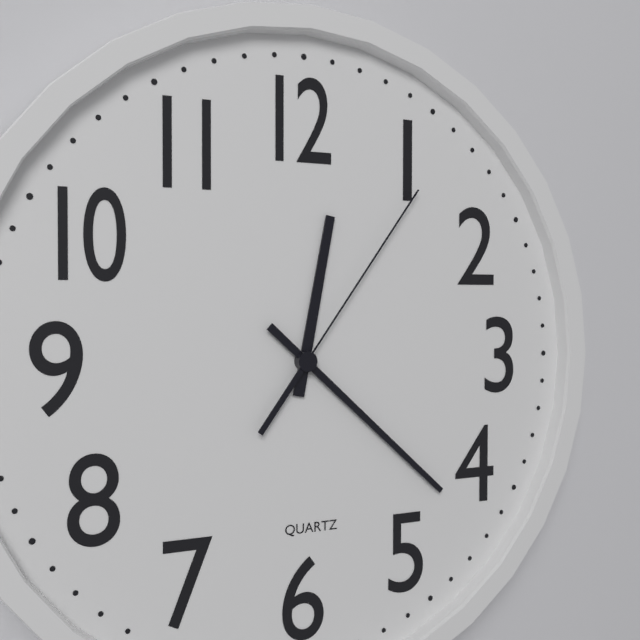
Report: 12:22:06
